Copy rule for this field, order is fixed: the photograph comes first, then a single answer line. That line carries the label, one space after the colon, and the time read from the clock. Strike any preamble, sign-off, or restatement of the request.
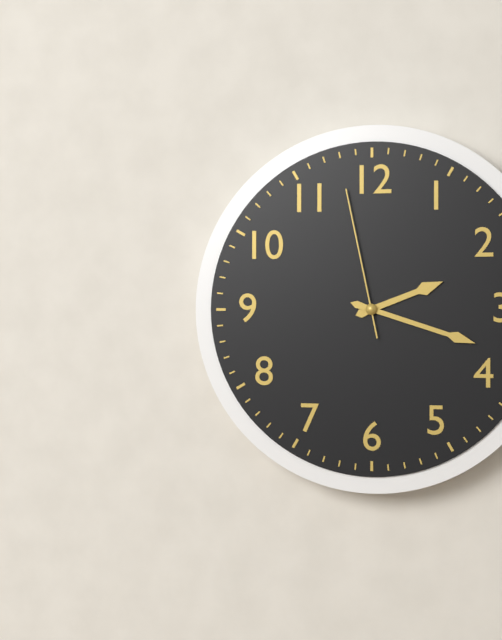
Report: 2:18:58
